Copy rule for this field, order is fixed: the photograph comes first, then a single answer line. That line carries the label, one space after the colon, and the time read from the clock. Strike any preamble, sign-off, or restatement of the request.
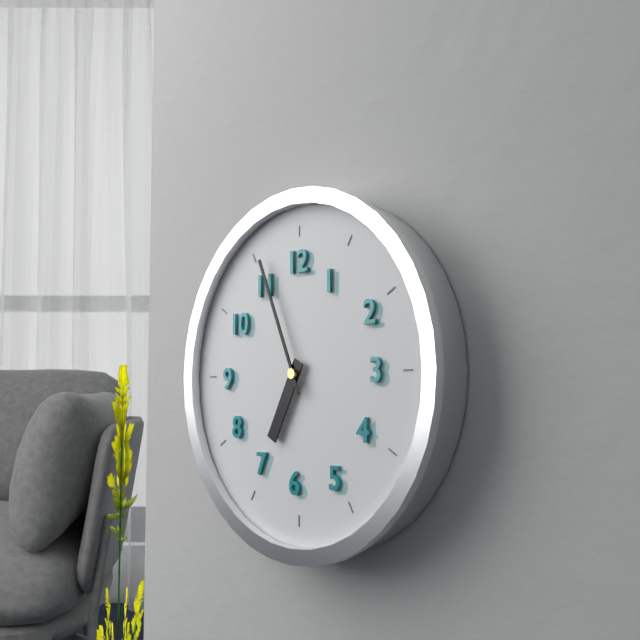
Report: 6:56
